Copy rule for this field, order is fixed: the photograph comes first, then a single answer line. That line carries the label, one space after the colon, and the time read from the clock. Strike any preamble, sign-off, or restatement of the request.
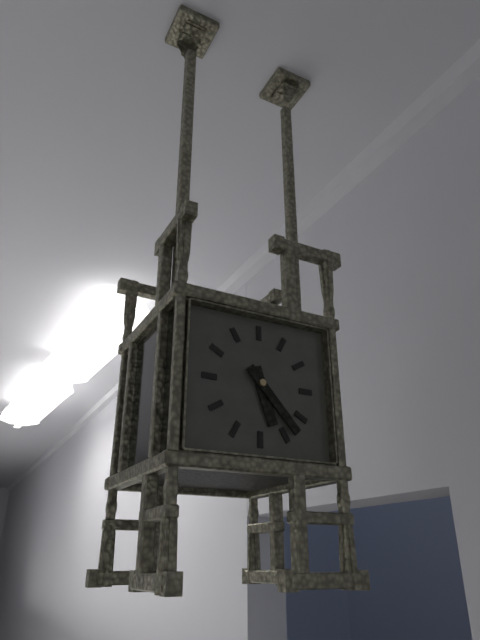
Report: 5:23
